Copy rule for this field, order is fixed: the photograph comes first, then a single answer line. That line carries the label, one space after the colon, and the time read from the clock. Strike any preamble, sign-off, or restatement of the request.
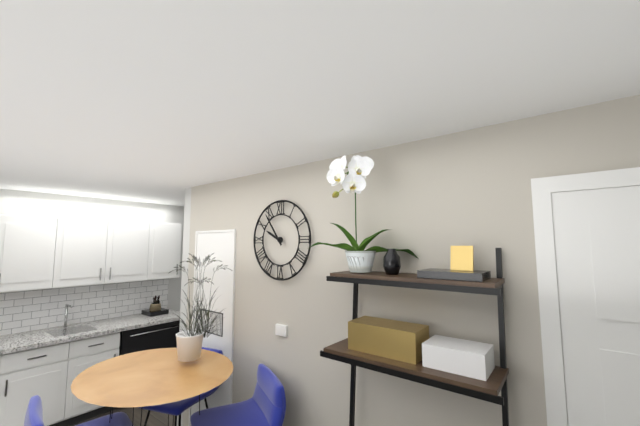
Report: 9:54
